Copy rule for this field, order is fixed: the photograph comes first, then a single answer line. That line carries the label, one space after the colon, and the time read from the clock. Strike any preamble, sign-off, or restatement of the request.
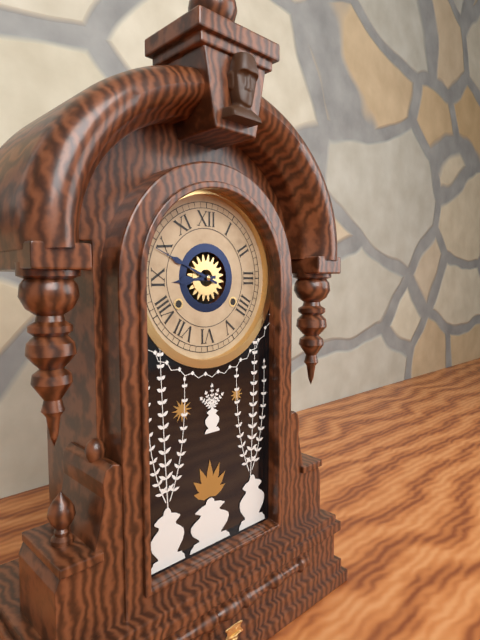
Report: 8:49
